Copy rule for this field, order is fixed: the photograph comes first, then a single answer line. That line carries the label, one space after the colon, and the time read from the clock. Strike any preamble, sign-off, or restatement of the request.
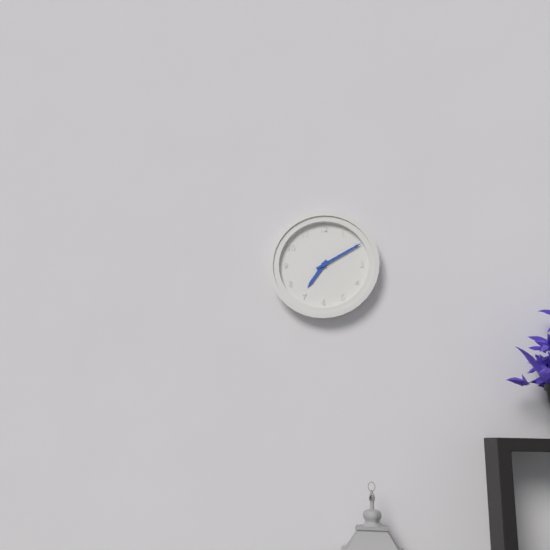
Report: 7:10
